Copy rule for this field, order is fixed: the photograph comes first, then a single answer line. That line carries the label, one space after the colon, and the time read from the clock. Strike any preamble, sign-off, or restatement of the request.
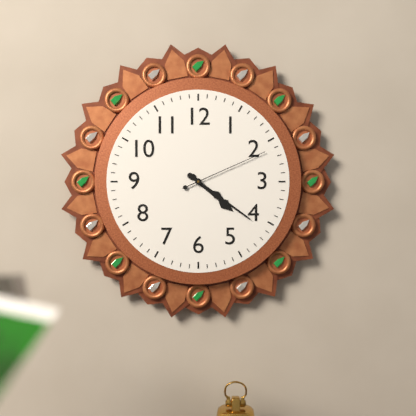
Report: 4:21:11
